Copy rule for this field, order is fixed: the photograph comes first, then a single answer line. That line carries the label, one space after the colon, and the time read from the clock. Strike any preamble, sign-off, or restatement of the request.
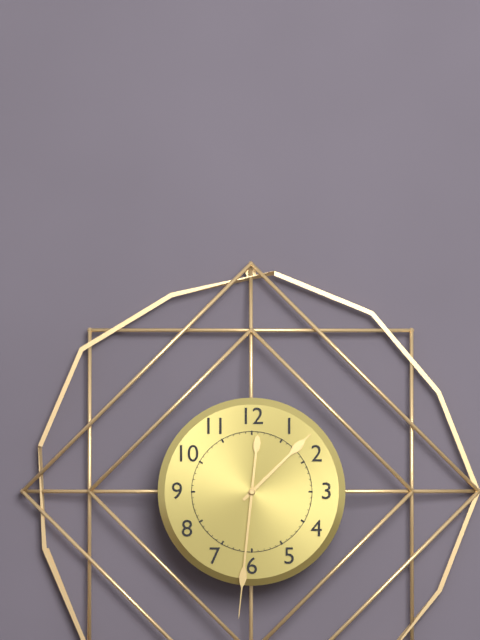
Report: 1:31
